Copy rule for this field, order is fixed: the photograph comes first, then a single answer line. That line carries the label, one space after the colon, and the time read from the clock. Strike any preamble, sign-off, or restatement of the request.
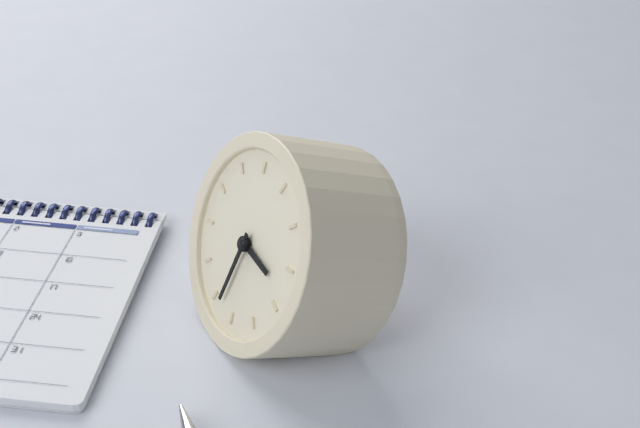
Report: 3:33
